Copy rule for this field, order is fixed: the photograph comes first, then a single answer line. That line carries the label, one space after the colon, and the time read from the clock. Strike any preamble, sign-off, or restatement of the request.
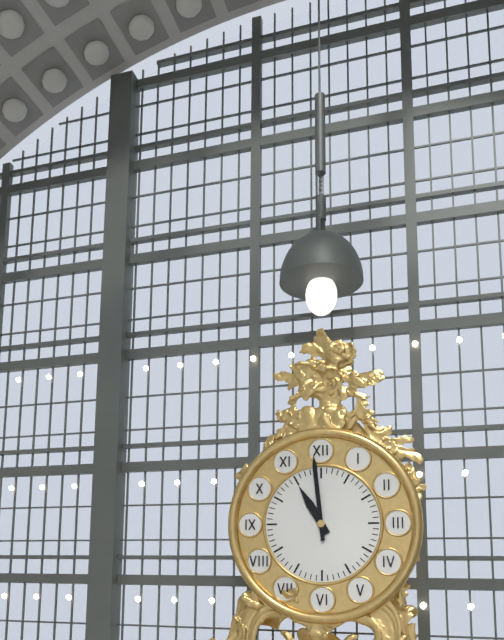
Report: 10:59
